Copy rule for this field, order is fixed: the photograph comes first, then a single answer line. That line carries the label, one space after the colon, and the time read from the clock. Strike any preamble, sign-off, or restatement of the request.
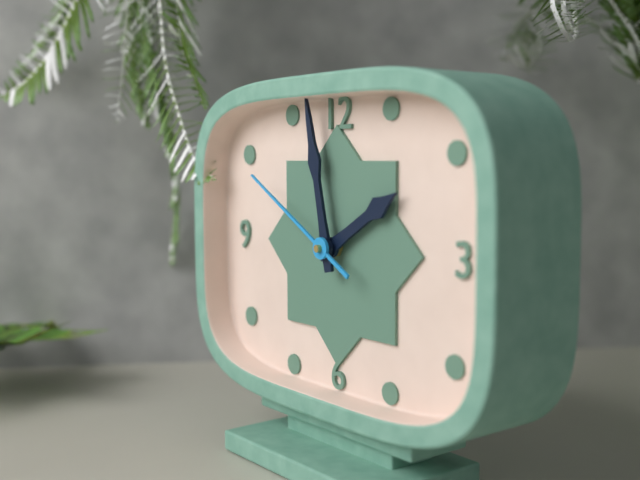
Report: 1:58:50
